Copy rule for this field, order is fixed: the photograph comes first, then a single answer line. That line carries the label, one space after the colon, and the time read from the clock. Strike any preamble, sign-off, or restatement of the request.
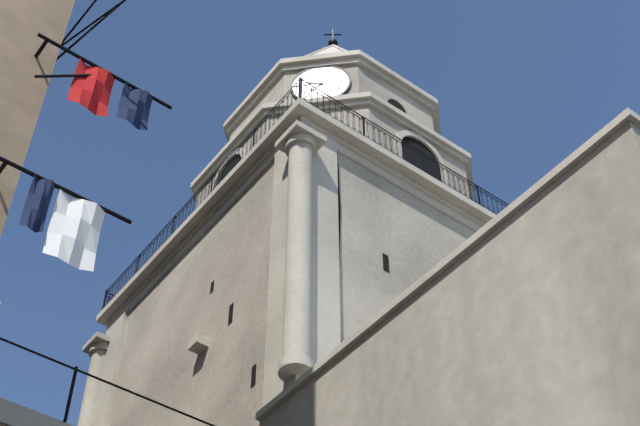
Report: 9:37
